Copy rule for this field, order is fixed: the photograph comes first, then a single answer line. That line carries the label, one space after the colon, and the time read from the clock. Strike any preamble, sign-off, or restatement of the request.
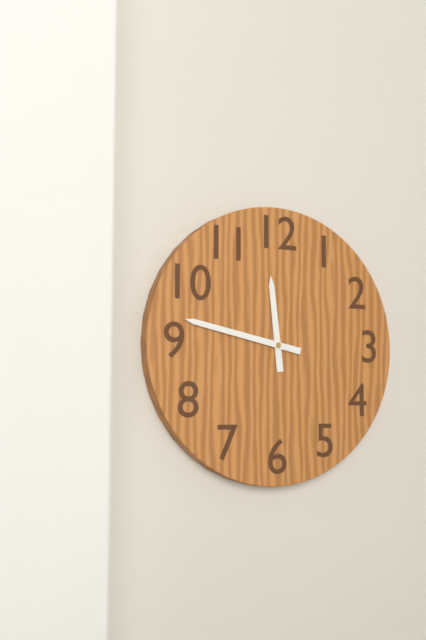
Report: 11:47
